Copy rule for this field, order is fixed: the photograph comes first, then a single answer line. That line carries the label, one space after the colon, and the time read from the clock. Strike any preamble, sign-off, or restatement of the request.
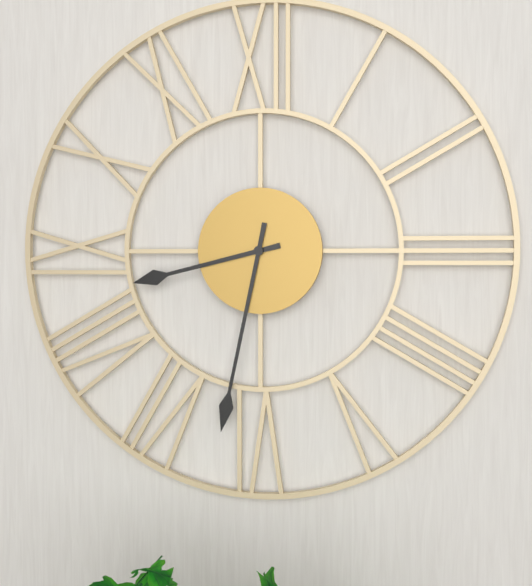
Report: 8:32
